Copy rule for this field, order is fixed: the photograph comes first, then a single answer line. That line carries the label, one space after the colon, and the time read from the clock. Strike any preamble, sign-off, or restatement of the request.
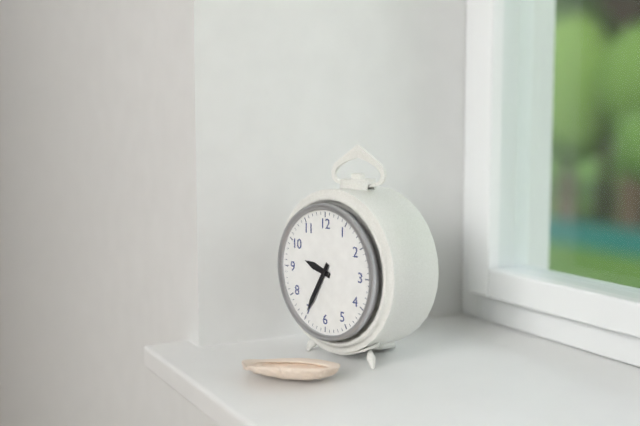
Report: 9:35
